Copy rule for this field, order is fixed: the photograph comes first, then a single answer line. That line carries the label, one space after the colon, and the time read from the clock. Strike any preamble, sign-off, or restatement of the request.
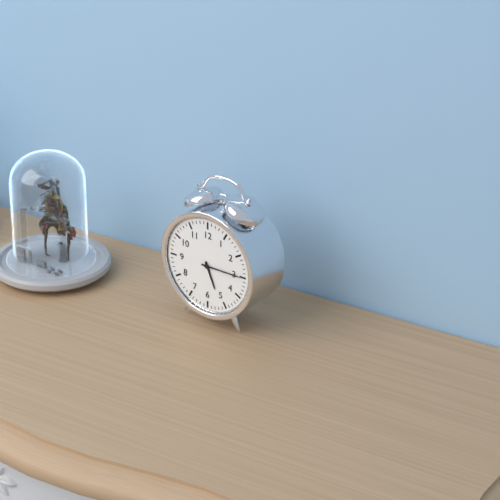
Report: 5:15
